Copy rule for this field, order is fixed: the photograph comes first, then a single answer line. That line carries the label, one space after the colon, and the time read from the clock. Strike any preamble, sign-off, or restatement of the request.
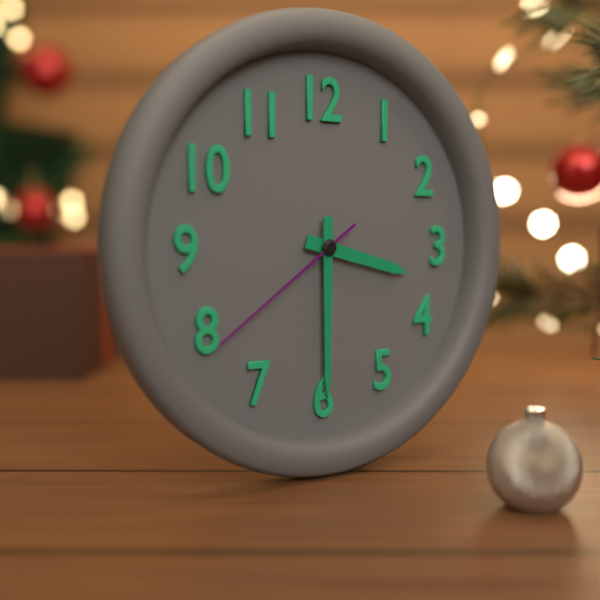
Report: 3:30:39
